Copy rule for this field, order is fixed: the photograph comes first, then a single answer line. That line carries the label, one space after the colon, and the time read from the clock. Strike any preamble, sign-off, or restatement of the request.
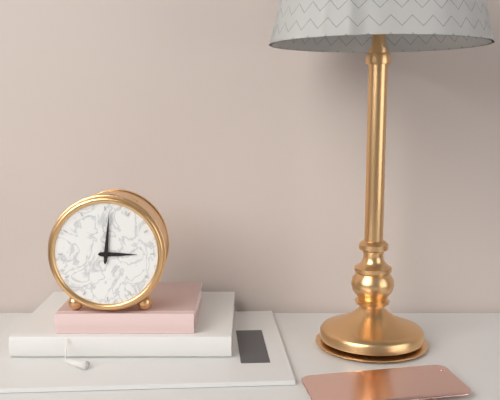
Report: 3:01
